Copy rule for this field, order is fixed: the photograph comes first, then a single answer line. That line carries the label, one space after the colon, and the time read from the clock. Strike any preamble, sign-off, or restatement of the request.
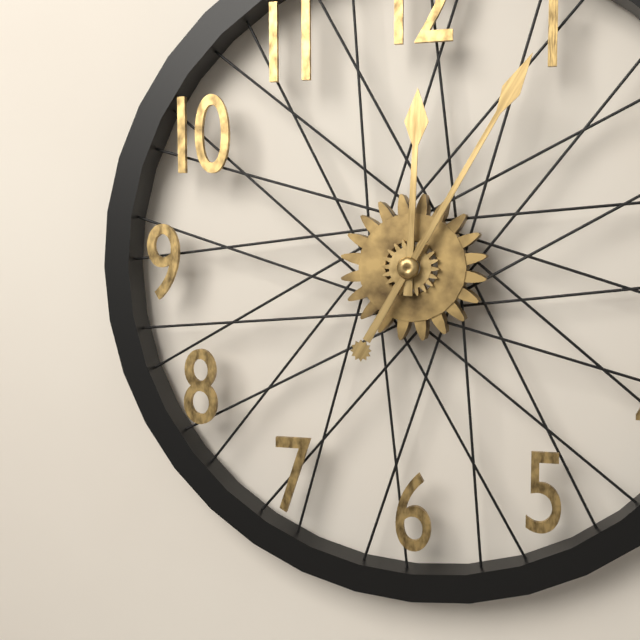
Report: 12:05
